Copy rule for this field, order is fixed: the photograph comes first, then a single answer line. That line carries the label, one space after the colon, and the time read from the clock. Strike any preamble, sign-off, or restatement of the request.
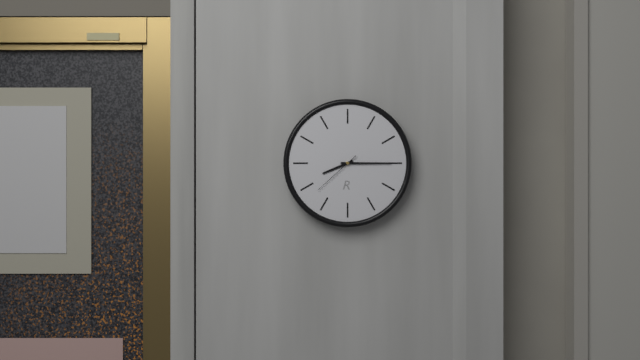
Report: 8:15
